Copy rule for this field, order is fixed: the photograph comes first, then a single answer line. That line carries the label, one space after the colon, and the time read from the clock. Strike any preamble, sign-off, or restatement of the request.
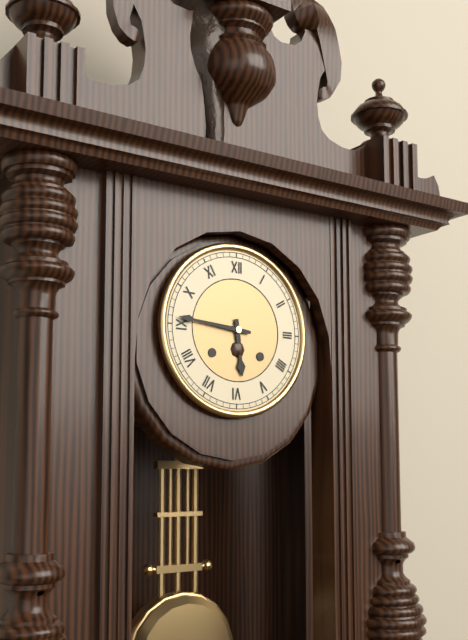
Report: 5:46
